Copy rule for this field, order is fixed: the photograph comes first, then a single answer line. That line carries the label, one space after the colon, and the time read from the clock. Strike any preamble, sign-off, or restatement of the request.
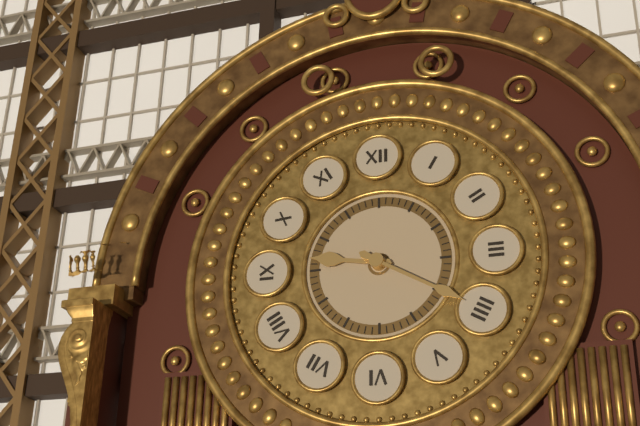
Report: 9:20
